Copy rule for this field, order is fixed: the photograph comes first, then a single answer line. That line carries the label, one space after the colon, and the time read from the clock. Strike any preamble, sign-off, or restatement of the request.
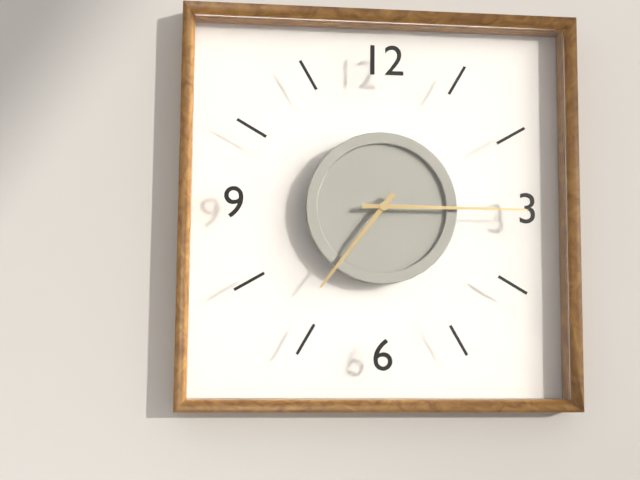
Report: 7:15
